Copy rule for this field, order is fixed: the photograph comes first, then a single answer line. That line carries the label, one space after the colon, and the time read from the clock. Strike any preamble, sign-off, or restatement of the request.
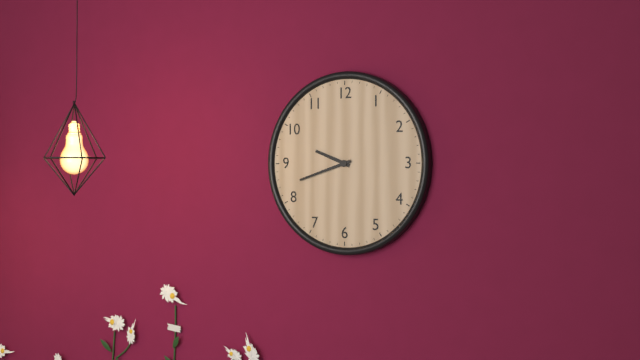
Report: 9:42
